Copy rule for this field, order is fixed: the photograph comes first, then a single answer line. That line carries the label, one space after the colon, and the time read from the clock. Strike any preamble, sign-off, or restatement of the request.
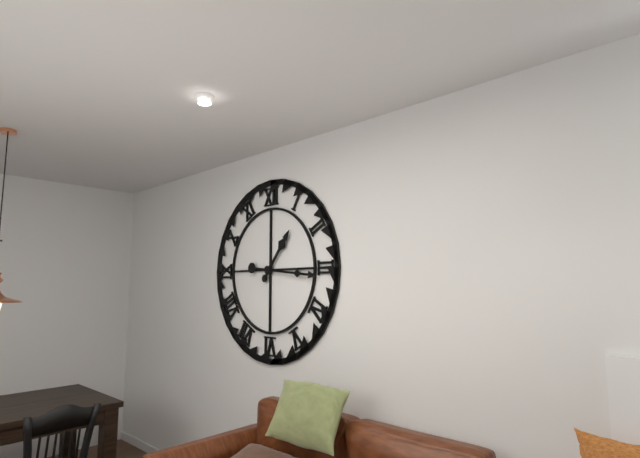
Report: 1:16
